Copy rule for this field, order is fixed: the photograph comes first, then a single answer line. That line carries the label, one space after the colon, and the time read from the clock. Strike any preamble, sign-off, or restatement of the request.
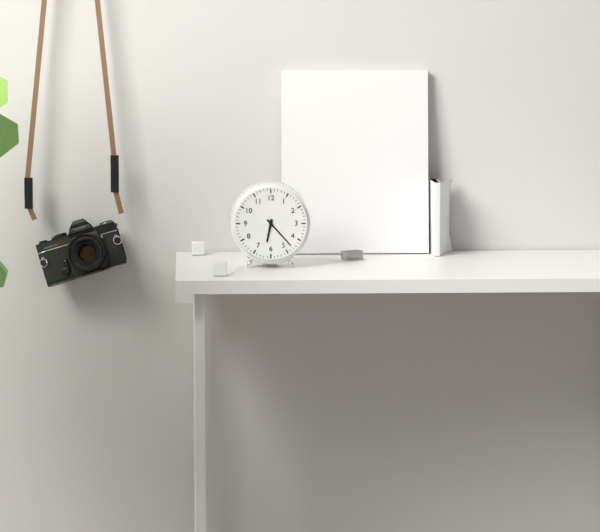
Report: 6:23
